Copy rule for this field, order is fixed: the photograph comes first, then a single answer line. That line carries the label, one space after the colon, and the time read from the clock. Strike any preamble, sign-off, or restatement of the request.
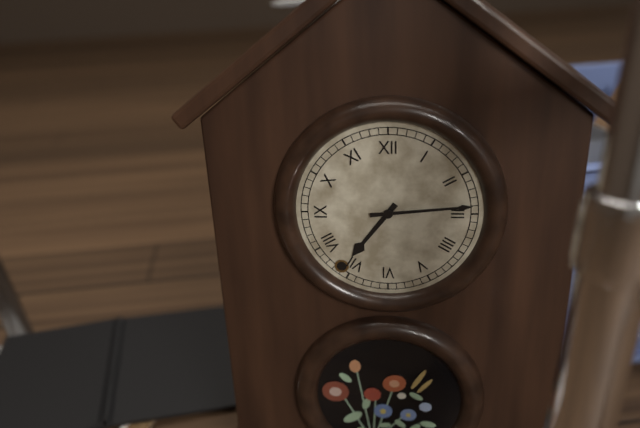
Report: 7:14
